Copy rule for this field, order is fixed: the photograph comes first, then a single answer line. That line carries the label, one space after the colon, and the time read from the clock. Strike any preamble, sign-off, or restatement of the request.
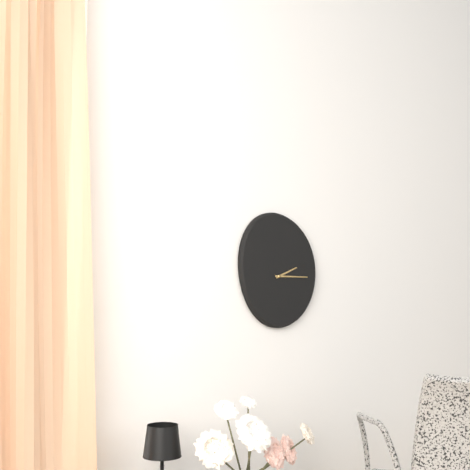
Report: 2:15
